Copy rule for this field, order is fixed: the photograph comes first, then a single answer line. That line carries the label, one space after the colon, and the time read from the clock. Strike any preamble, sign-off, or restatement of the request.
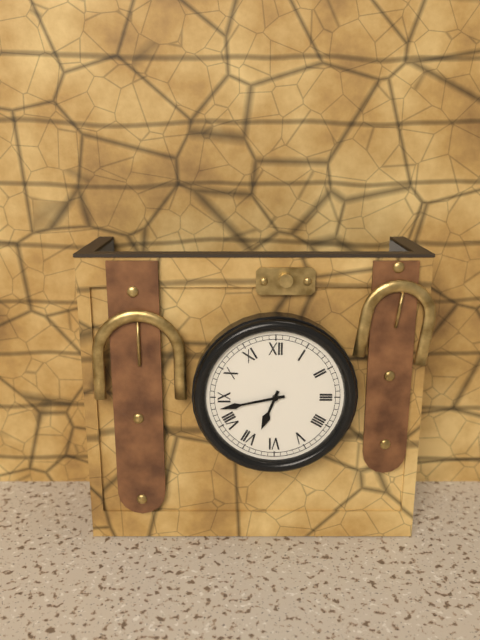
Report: 6:43
